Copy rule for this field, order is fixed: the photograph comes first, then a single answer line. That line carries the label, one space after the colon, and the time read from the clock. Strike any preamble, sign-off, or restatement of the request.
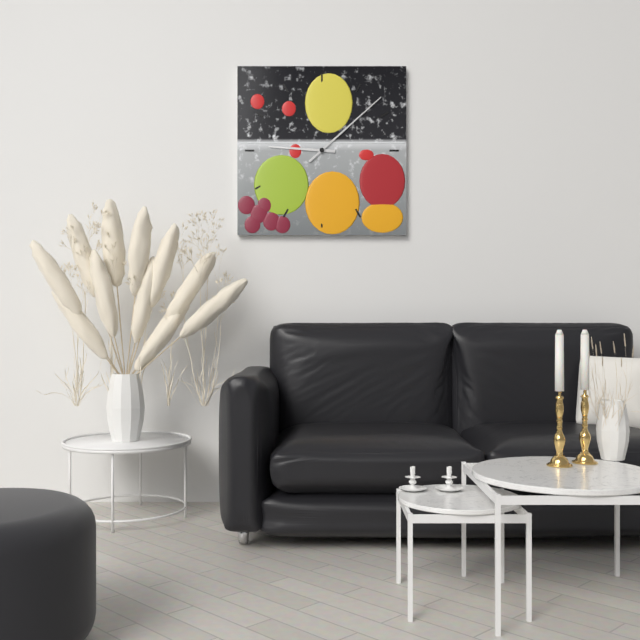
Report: 9:08
